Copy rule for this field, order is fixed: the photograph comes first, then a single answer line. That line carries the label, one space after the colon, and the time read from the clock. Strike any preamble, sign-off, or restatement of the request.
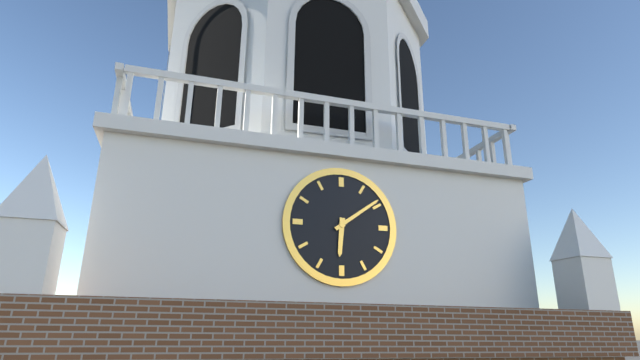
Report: 6:09
